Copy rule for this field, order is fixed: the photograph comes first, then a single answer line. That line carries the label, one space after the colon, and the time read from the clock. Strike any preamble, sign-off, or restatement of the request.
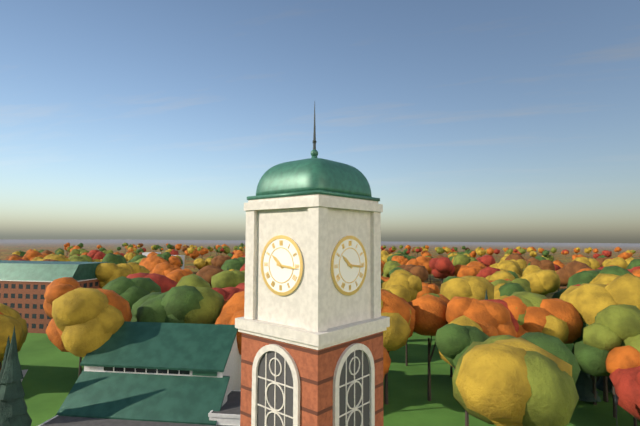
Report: 10:16
